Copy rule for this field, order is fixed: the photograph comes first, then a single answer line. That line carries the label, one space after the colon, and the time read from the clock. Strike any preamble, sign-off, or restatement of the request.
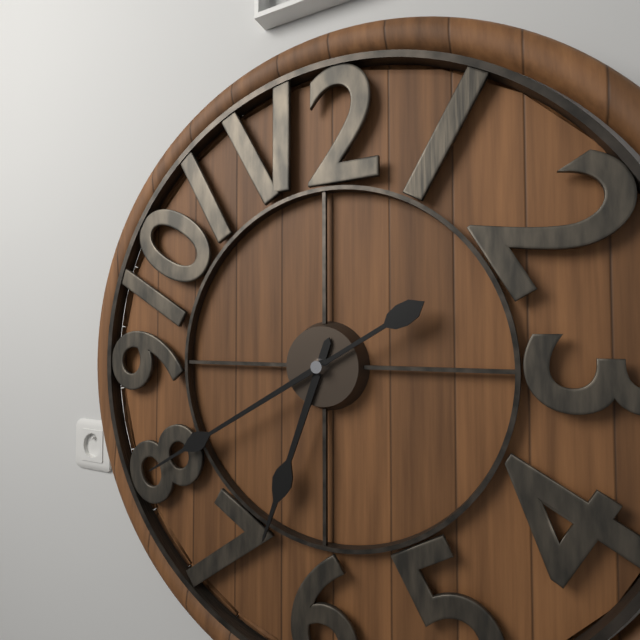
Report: 6:40
